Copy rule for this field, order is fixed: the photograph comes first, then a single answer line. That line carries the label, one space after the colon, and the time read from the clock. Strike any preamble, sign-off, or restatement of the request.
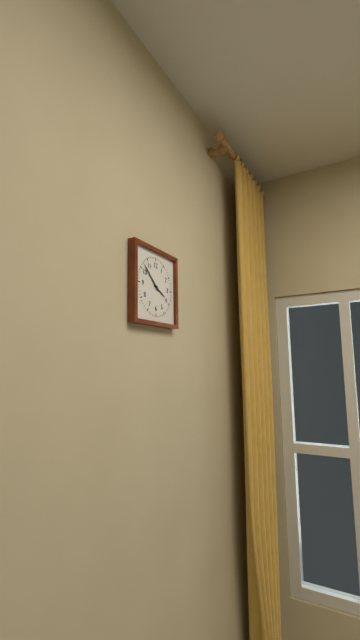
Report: 3:52
